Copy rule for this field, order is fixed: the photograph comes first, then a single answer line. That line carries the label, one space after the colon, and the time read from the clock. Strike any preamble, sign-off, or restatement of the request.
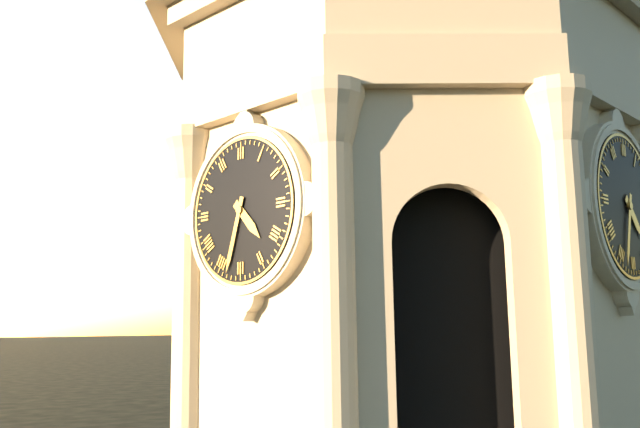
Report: 4:33
